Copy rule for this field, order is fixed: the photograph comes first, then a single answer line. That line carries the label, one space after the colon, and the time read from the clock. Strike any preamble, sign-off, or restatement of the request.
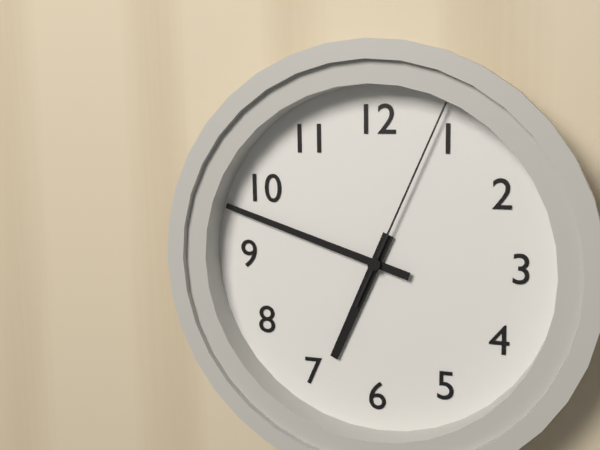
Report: 6:48:04
